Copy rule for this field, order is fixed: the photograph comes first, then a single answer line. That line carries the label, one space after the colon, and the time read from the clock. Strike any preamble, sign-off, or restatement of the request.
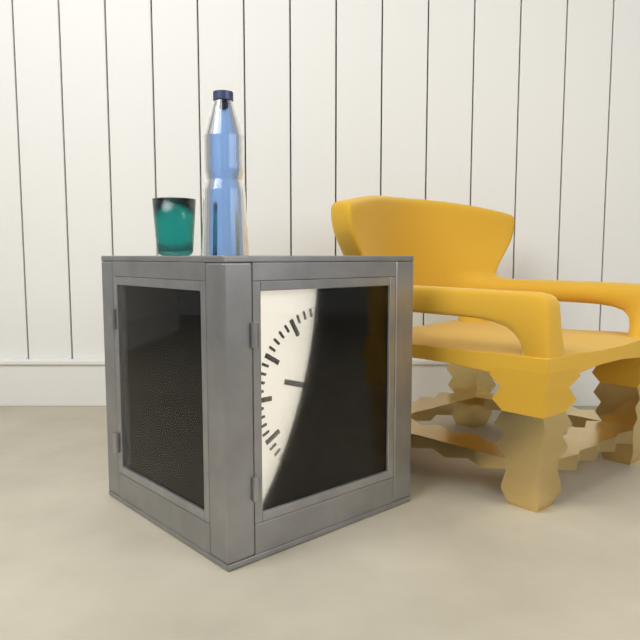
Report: 9:31
